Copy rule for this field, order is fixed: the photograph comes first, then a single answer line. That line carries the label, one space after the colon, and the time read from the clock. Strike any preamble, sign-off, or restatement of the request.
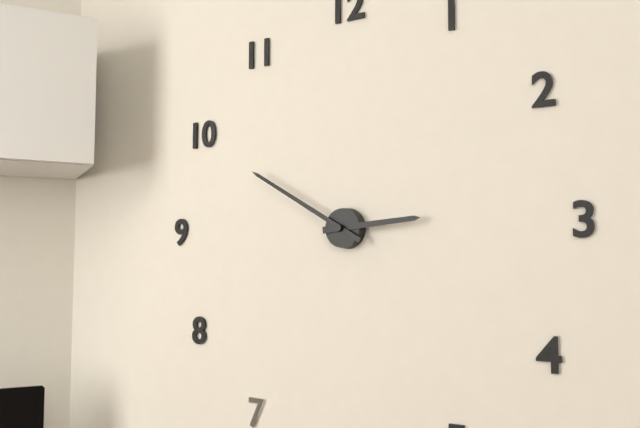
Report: 2:50
